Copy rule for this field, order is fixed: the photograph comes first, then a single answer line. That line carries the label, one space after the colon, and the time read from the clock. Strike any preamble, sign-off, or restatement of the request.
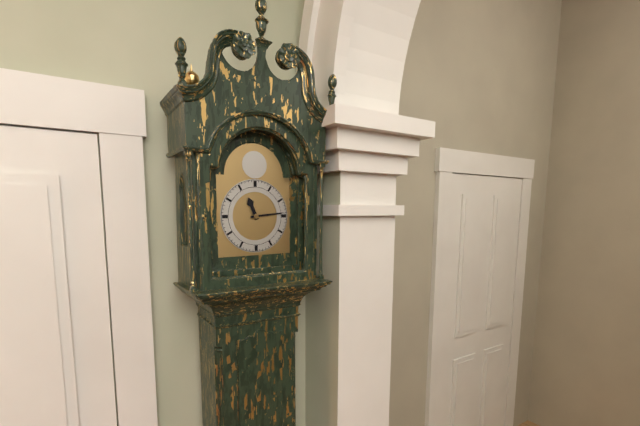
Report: 11:14
